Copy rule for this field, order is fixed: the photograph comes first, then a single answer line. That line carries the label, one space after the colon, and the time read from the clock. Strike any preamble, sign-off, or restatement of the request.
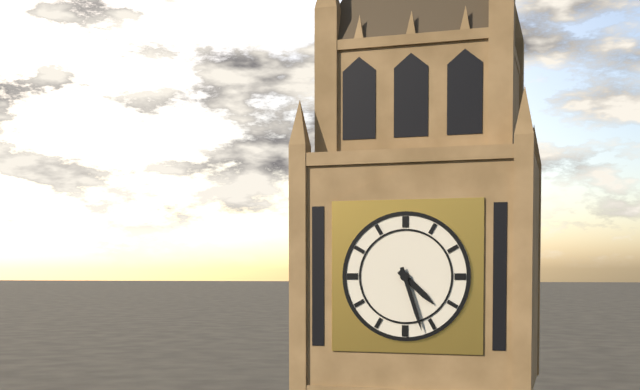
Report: 4:27
